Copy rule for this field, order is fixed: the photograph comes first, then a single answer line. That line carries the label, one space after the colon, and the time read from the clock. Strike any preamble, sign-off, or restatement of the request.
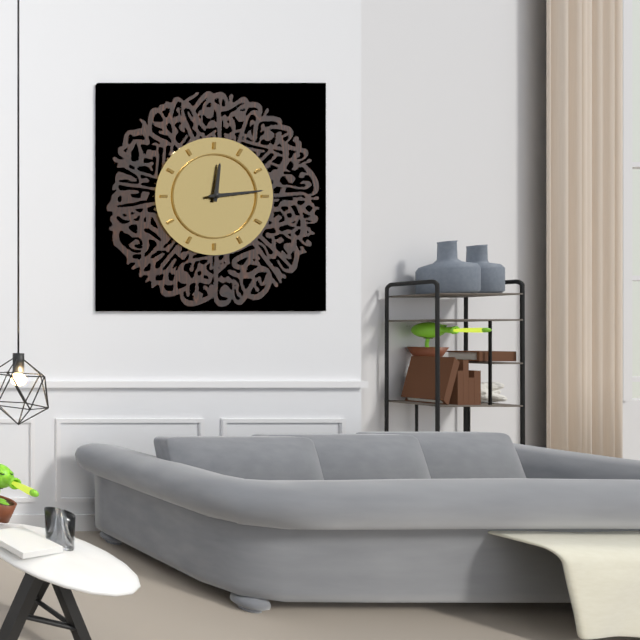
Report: 12:14
